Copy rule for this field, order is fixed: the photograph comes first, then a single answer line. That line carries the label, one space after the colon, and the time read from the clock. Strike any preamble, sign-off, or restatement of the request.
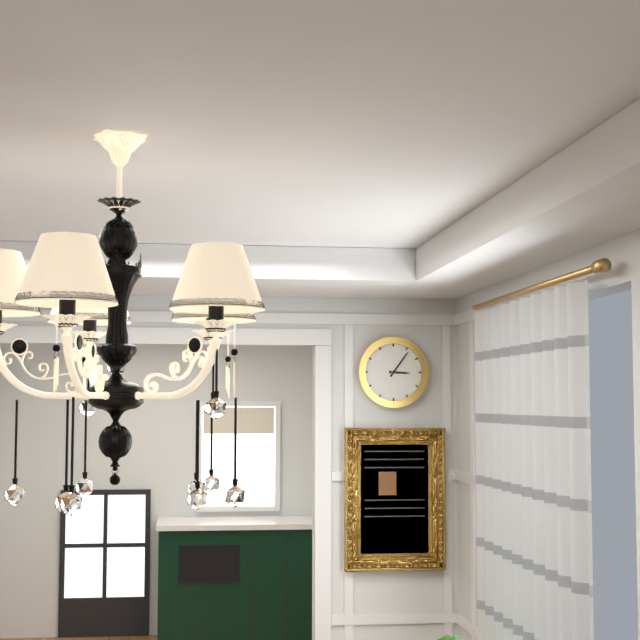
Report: 3:06
